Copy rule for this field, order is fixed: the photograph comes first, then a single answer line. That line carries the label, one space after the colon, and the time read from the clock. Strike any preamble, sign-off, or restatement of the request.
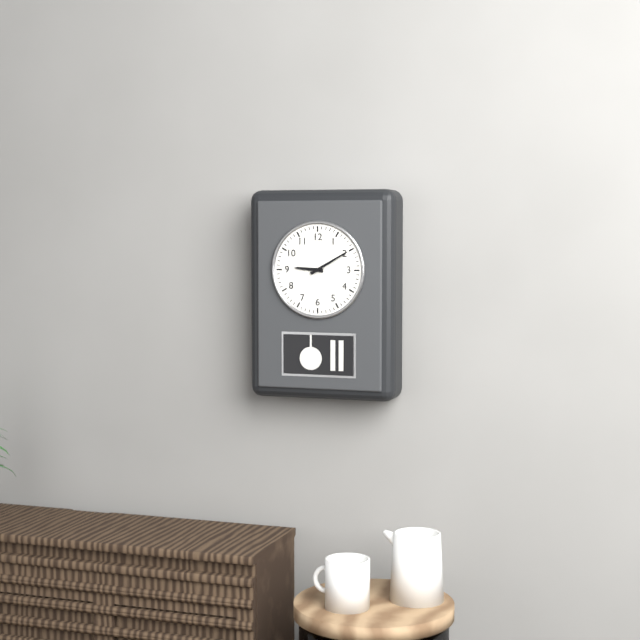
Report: 9:10
